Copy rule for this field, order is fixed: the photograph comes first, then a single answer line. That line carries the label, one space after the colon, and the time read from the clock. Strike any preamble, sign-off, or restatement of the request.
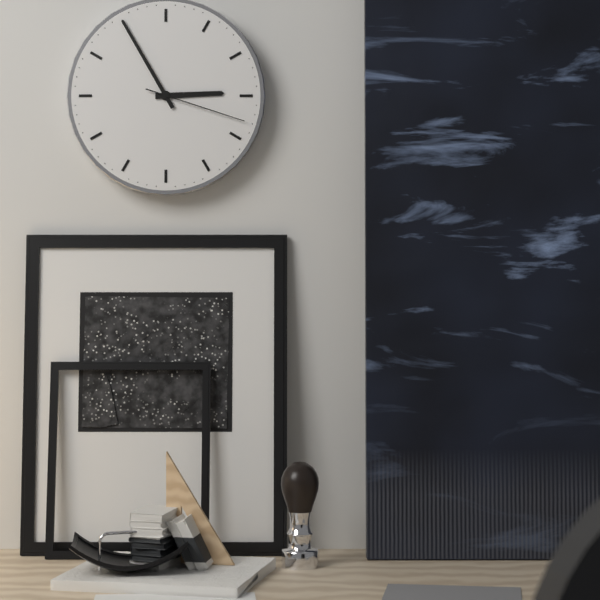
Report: 2:55:18
